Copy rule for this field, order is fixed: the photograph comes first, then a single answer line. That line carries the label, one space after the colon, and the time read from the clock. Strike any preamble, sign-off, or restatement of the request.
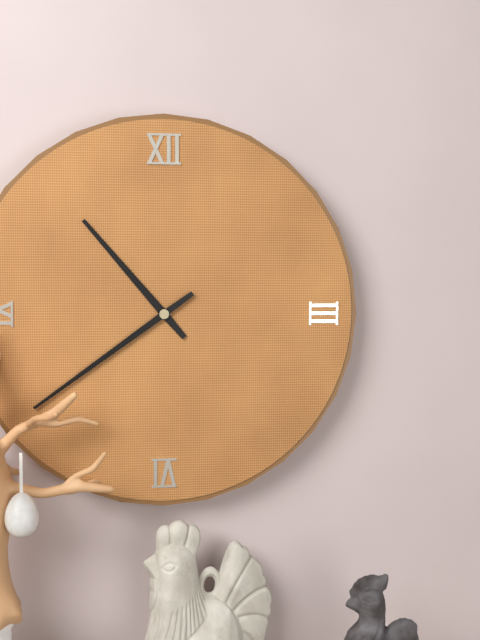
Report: 10:39
